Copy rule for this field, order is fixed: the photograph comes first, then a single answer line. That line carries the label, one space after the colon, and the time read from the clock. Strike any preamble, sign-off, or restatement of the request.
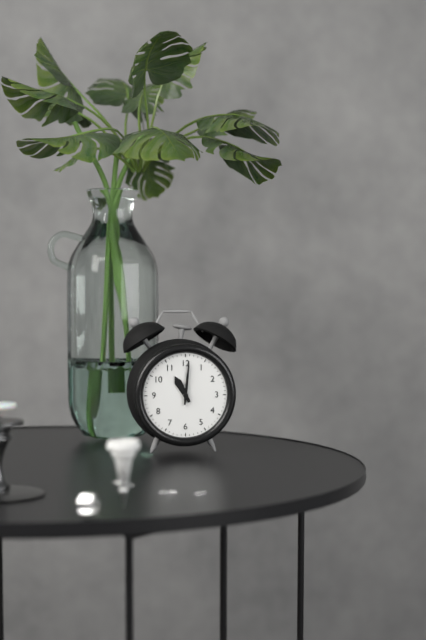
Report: 11:01
